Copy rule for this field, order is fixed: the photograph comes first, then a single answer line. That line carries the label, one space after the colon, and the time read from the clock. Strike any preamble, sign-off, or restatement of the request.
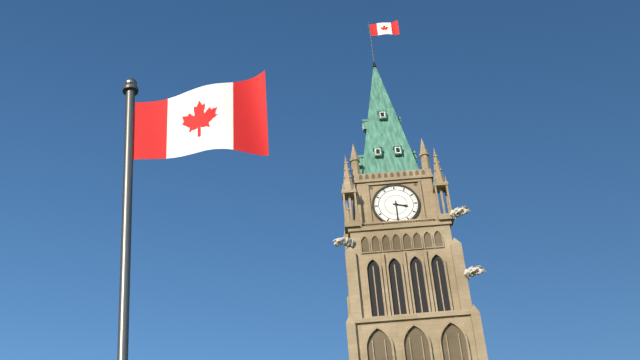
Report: 3:30
